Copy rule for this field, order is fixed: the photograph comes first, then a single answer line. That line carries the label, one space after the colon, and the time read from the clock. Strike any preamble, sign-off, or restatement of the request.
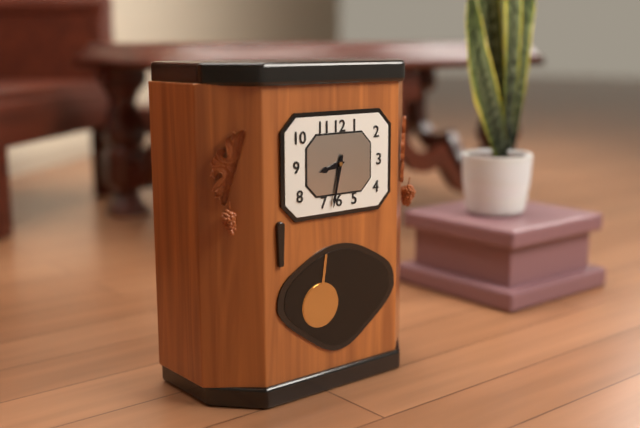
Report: 8:32
